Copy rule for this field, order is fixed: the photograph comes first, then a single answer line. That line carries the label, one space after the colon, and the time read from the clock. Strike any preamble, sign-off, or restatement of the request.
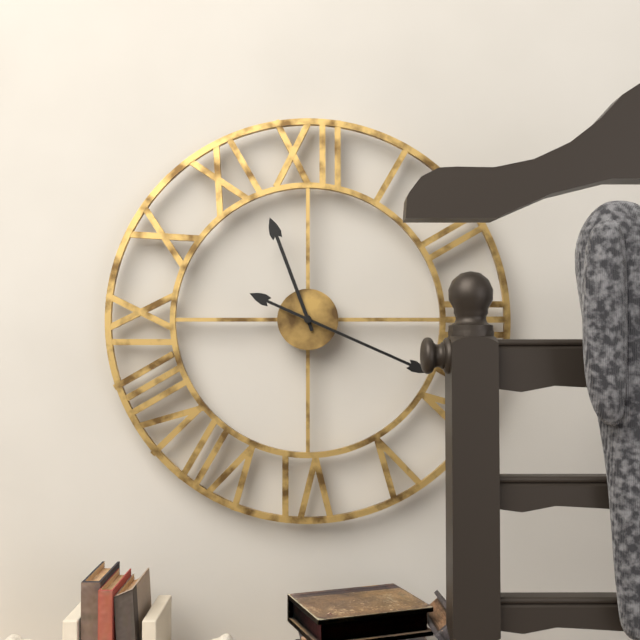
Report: 11:19
